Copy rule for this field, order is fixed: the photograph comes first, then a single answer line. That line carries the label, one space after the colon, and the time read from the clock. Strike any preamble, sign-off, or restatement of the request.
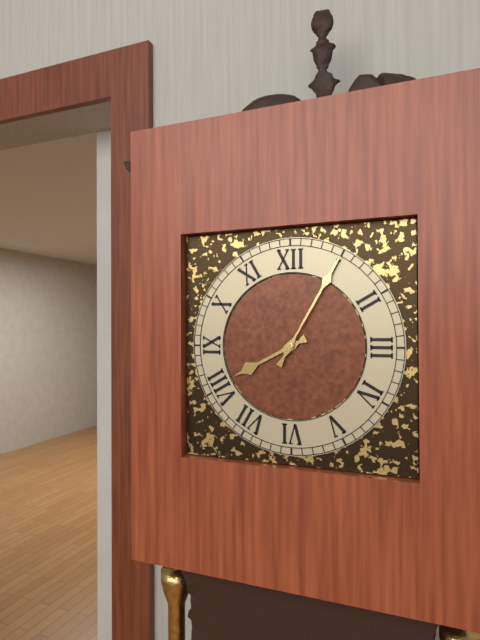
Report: 8:05
